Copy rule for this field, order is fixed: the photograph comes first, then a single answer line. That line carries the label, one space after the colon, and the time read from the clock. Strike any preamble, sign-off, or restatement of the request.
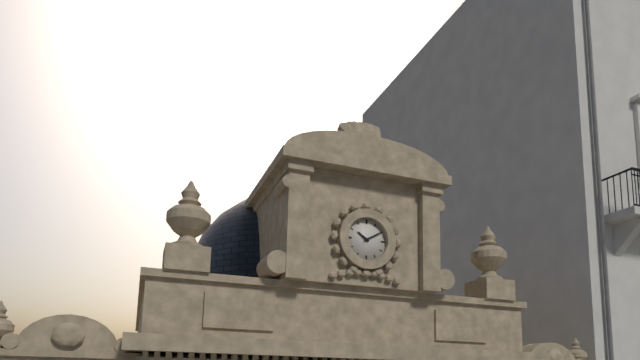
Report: 10:10
